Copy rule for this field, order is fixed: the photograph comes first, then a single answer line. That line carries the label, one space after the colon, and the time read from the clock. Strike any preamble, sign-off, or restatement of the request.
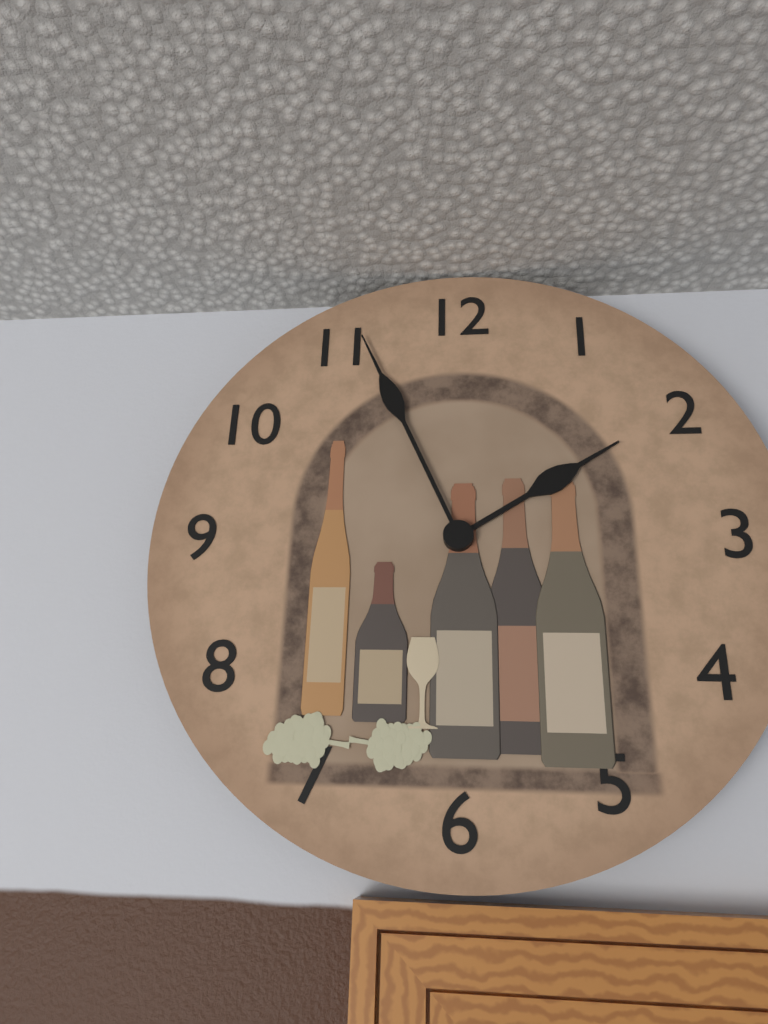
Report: 1:56
